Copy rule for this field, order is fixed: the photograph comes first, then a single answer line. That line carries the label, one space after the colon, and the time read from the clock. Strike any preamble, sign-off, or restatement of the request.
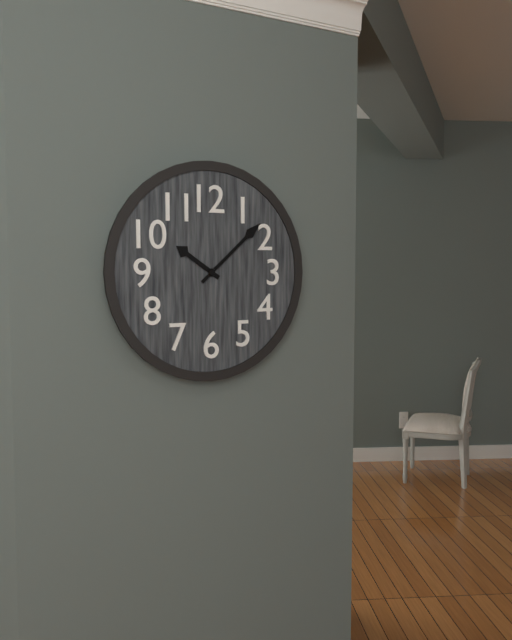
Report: 10:08
